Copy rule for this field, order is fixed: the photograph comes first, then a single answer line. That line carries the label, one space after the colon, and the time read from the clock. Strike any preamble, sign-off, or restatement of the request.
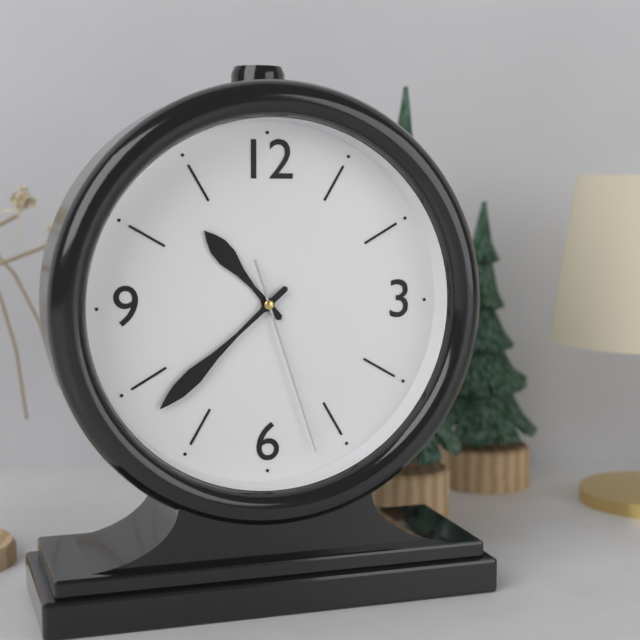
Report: 10:38:27
